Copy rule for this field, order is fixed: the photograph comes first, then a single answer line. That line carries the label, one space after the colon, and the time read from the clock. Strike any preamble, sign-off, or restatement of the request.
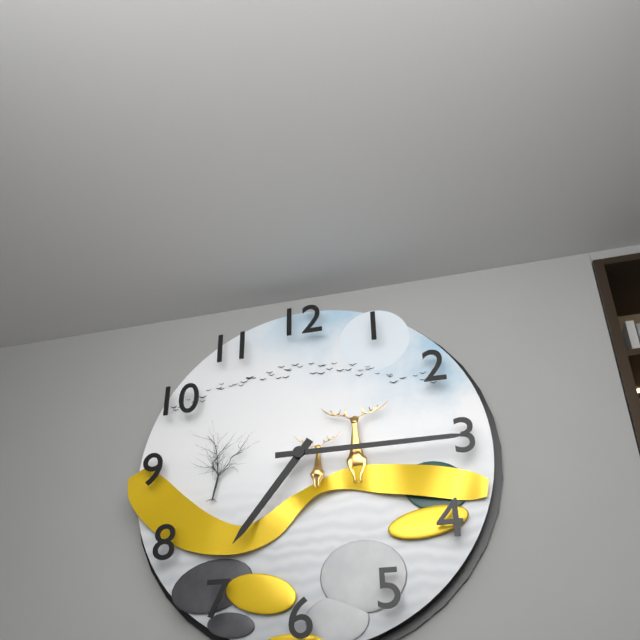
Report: 7:15
